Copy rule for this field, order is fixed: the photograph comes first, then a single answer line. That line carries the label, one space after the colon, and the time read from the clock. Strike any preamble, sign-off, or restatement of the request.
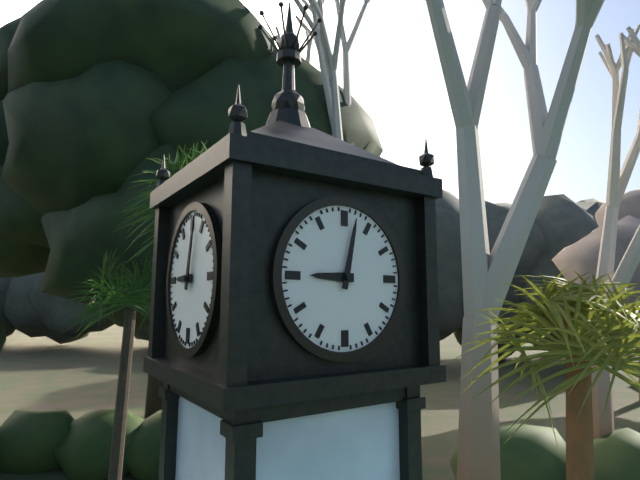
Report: 9:02
